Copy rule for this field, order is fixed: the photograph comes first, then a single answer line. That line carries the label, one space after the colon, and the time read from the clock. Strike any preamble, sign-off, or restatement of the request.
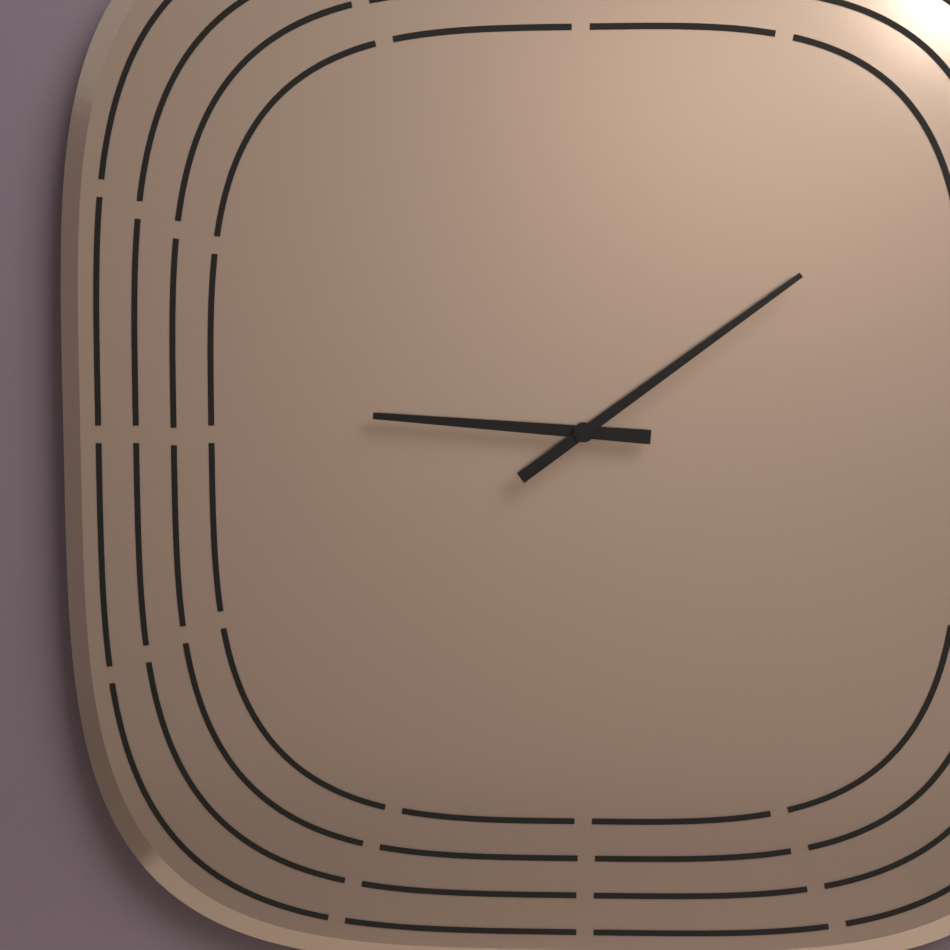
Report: 9:09
